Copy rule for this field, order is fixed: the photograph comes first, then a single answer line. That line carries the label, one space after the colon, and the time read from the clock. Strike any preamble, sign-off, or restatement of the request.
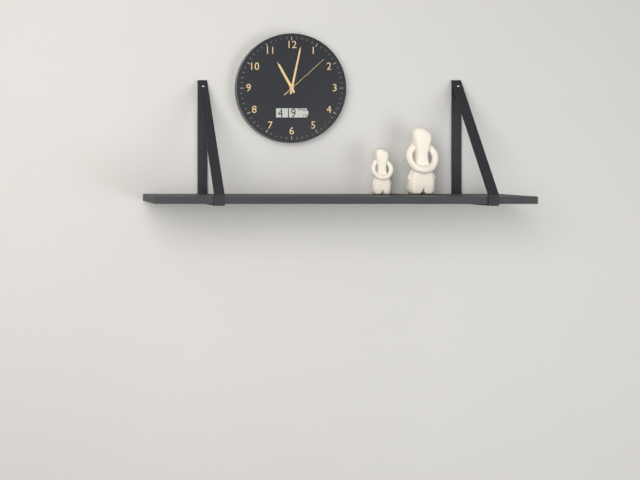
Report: 11:02:08
